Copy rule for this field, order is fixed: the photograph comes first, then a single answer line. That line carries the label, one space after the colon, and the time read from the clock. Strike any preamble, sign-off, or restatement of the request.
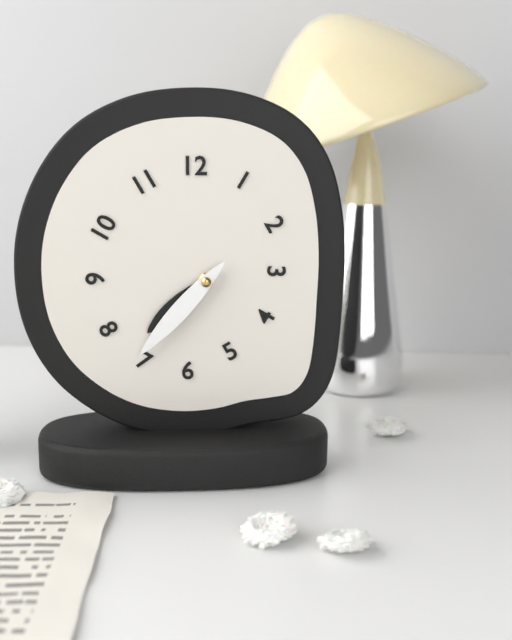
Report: 7:37
